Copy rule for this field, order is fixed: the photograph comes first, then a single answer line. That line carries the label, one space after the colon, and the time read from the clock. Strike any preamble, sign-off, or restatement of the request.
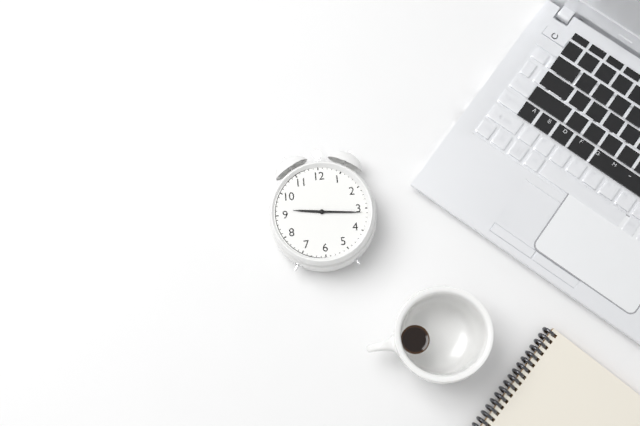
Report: 9:16
